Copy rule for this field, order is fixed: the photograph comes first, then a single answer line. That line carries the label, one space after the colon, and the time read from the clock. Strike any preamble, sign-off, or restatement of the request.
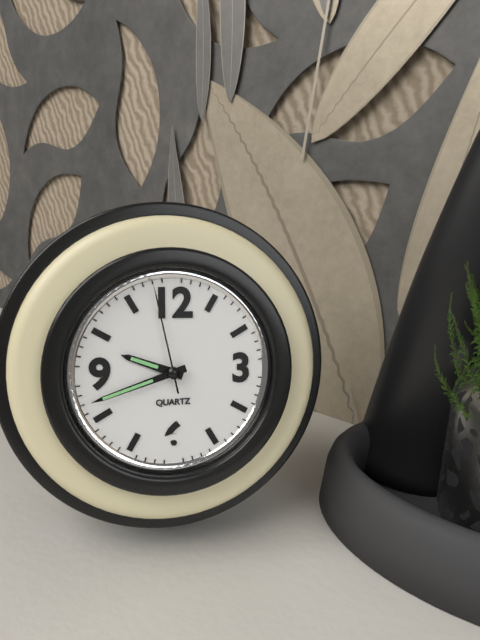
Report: 9:42:58
